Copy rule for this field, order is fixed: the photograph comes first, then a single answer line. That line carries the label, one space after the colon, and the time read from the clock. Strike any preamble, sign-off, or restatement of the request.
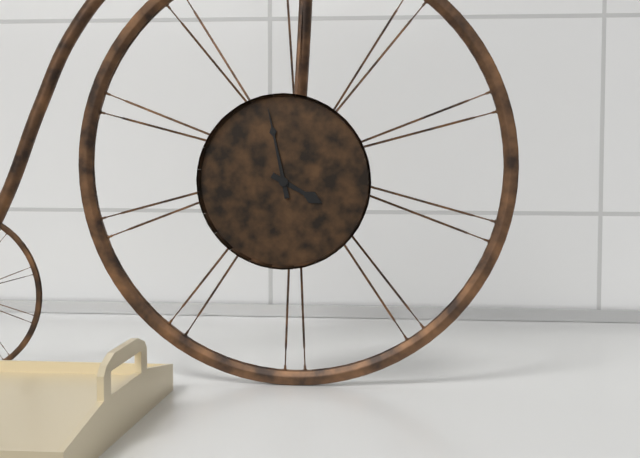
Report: 3:58
